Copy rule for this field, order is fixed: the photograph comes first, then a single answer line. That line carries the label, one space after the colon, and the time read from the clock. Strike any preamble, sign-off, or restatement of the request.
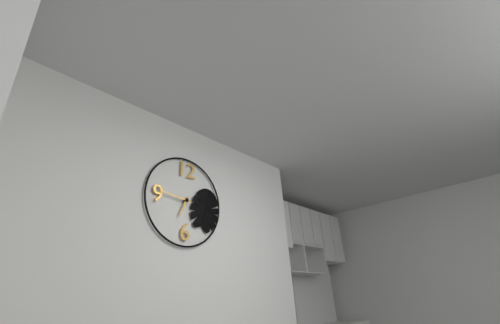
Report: 6:46
